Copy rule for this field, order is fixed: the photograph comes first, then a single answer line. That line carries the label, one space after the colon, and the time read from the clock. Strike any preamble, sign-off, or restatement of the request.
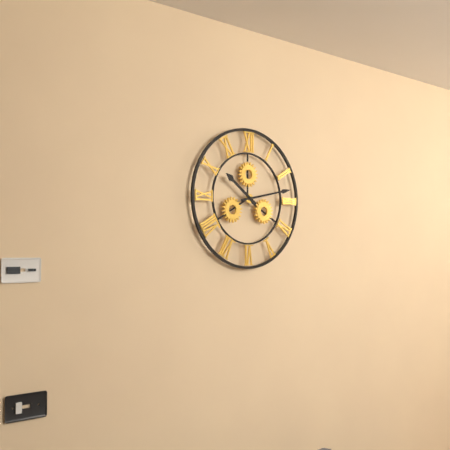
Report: 10:13
